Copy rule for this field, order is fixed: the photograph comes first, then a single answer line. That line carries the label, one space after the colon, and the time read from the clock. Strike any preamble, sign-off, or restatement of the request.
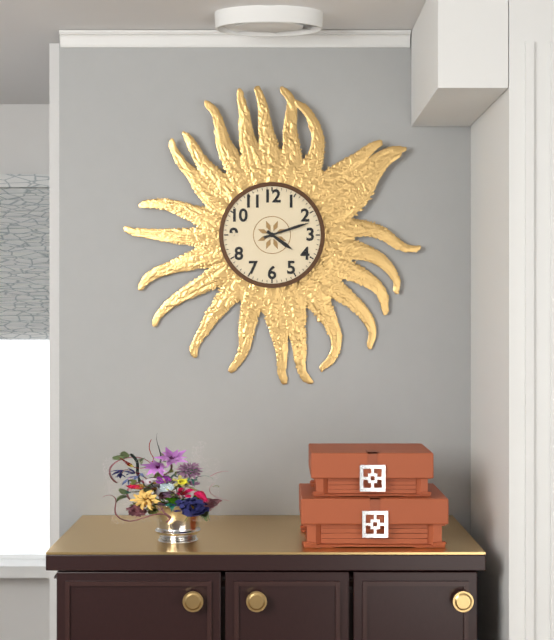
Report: 4:12
